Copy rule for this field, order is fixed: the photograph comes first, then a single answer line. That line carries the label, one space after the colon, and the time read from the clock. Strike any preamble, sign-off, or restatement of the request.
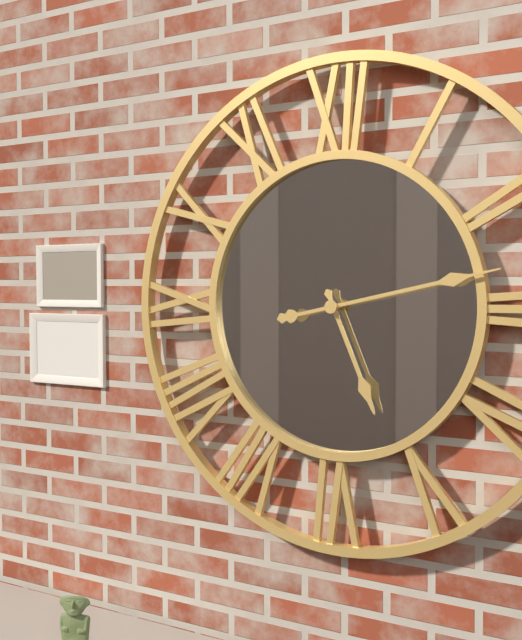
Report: 5:13
